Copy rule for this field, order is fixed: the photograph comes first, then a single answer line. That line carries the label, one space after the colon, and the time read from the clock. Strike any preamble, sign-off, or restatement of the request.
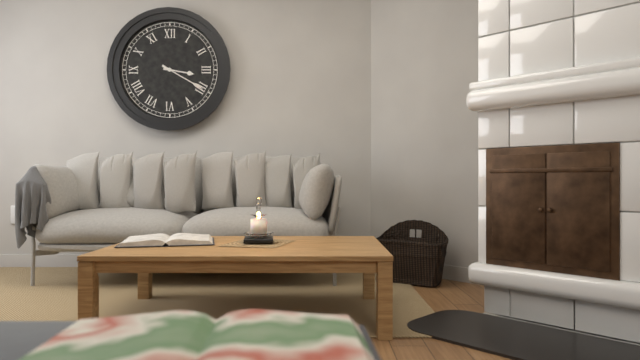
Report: 3:20
